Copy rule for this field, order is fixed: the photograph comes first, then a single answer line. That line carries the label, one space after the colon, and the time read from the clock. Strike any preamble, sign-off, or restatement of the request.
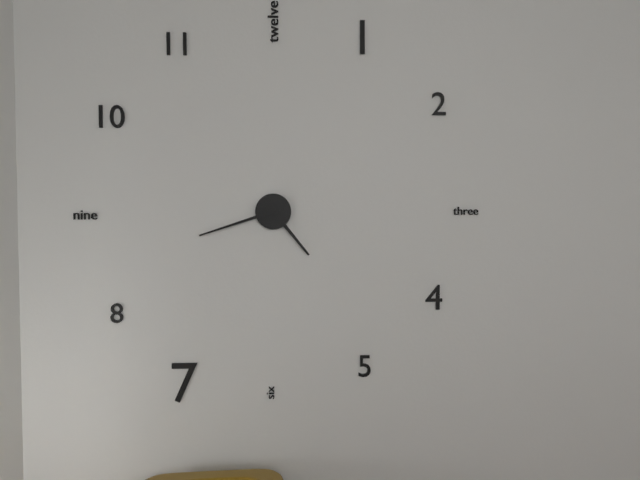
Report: 4:42
